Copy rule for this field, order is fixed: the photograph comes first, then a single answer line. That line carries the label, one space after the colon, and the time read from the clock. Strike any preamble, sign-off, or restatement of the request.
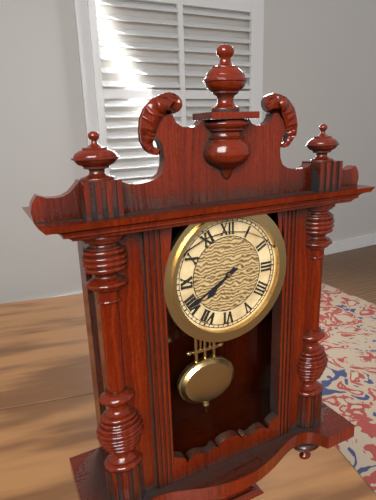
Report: 7:40
